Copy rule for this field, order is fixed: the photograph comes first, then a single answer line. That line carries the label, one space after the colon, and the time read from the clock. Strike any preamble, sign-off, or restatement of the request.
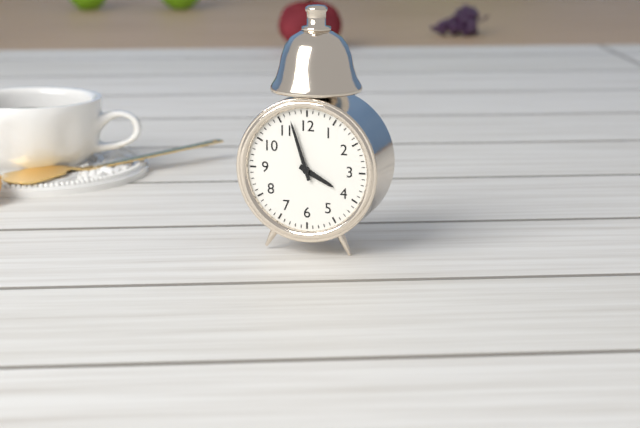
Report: 3:57
